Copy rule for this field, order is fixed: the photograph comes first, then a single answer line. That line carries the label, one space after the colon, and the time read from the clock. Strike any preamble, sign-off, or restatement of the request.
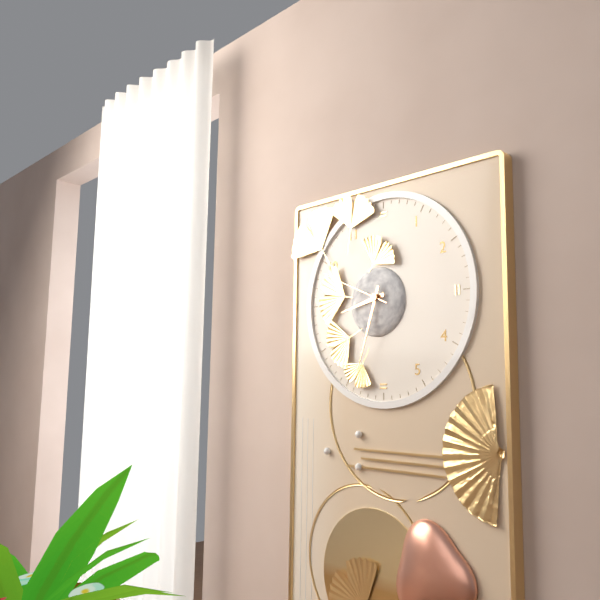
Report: 8:33:49
